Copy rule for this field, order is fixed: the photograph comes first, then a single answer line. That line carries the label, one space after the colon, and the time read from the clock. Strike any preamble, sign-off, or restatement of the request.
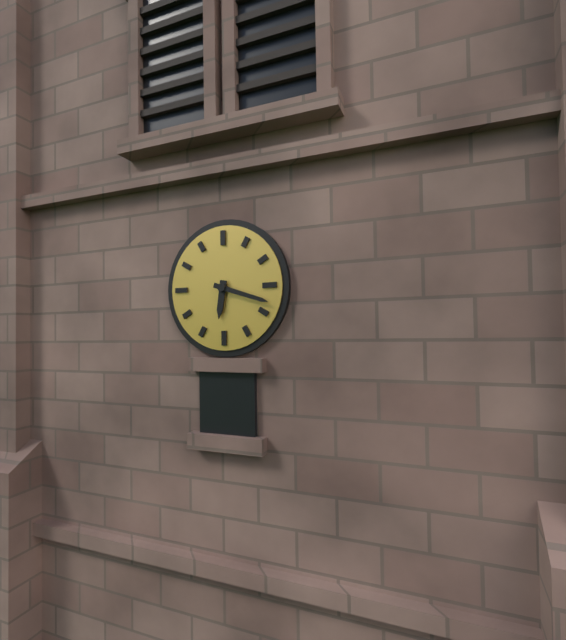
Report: 6:18
